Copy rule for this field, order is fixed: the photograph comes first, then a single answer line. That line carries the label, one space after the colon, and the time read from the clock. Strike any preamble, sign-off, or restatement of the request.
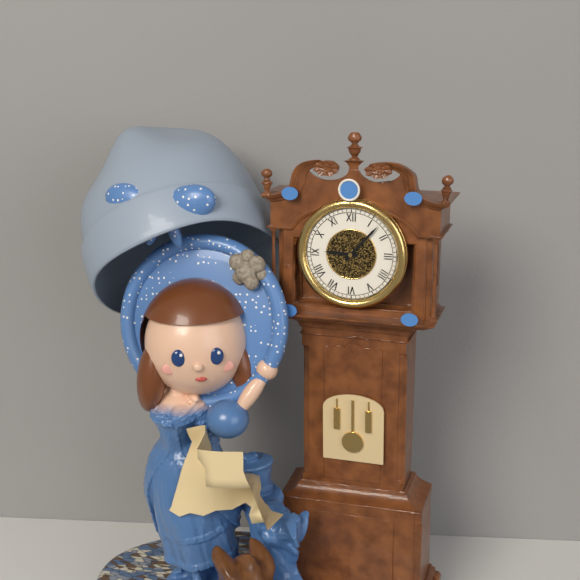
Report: 9:07
